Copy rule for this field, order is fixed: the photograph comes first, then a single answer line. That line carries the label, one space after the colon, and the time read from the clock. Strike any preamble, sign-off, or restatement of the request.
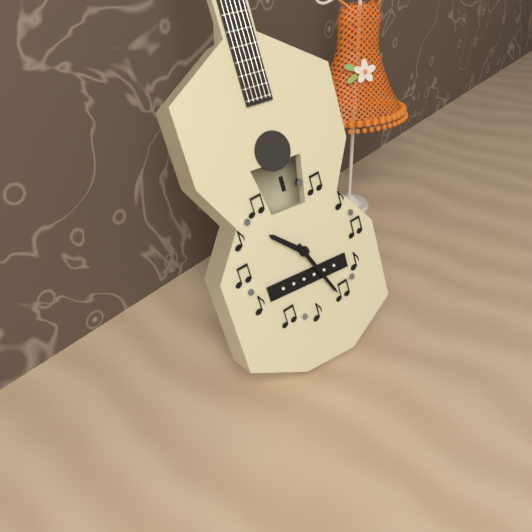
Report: 10:26
